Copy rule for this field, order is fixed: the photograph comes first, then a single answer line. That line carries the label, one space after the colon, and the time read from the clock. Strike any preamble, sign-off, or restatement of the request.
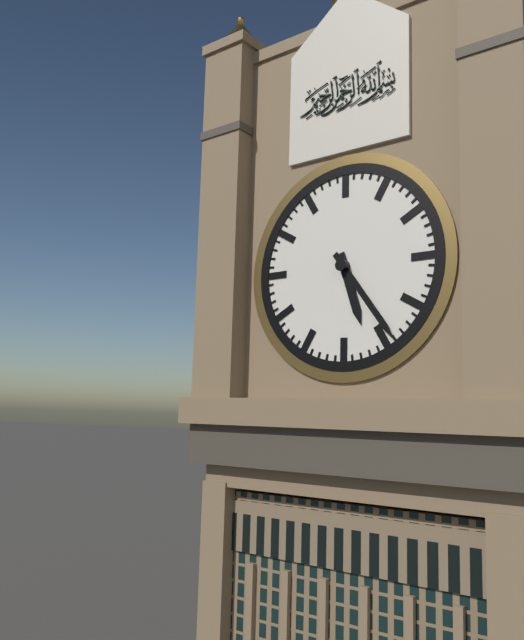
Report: 5:24
